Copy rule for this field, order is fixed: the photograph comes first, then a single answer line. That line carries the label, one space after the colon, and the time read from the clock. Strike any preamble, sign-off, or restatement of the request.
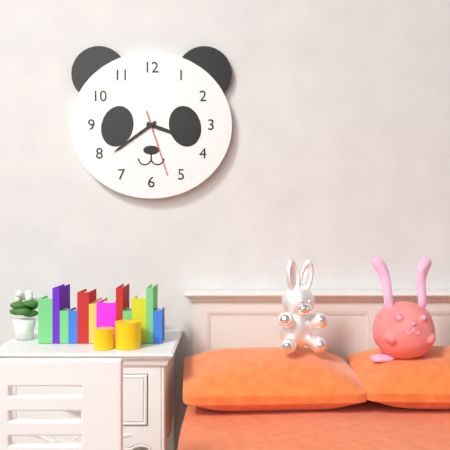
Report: 3:39:27
